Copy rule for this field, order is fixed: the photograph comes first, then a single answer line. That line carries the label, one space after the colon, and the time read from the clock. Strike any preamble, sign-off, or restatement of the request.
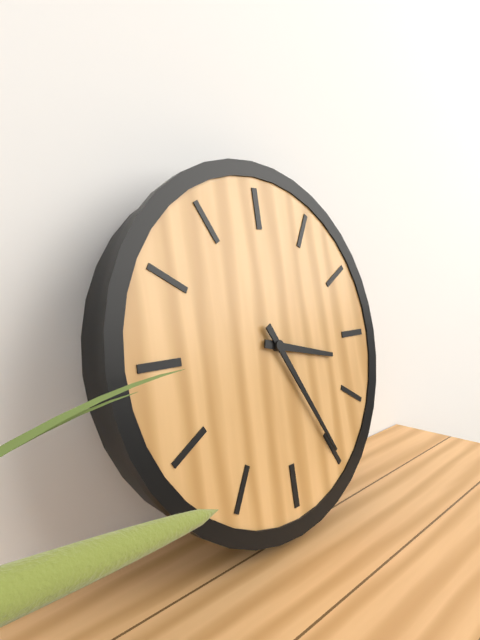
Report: 3:25
